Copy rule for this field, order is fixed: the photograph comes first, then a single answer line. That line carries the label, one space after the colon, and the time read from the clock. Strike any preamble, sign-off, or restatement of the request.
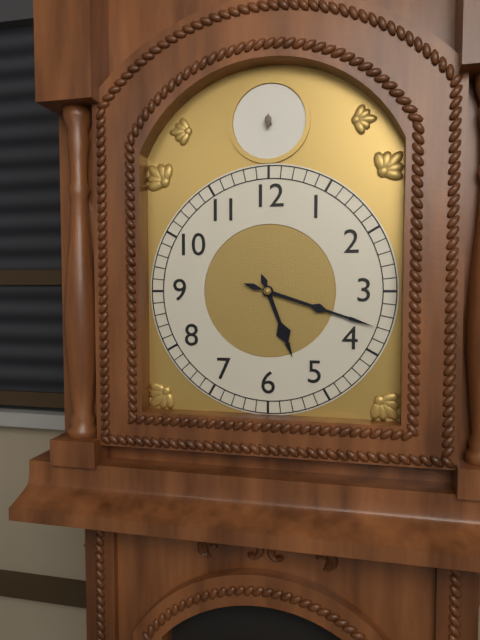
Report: 5:18
